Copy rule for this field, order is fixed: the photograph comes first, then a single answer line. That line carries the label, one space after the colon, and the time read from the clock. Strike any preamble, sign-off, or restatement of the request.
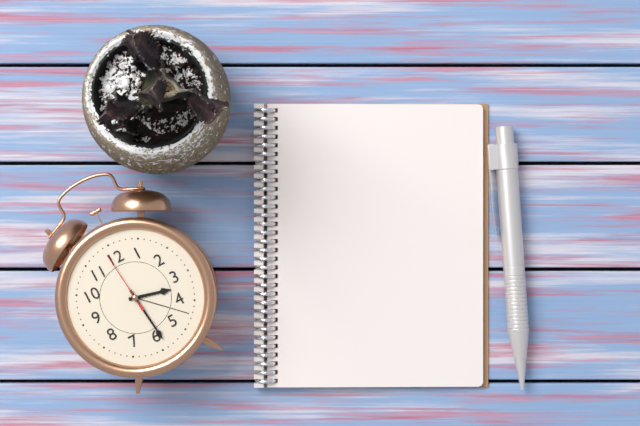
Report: 3:29:59
